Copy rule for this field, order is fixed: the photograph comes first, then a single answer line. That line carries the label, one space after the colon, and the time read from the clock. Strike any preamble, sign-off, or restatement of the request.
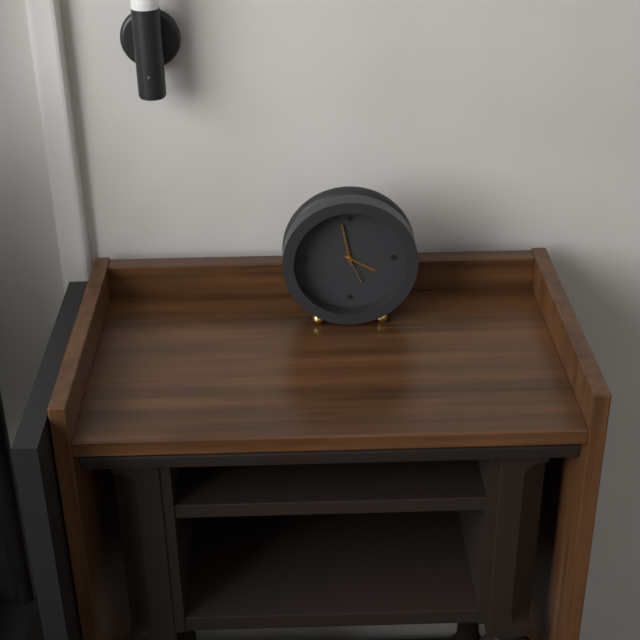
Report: 3:58
